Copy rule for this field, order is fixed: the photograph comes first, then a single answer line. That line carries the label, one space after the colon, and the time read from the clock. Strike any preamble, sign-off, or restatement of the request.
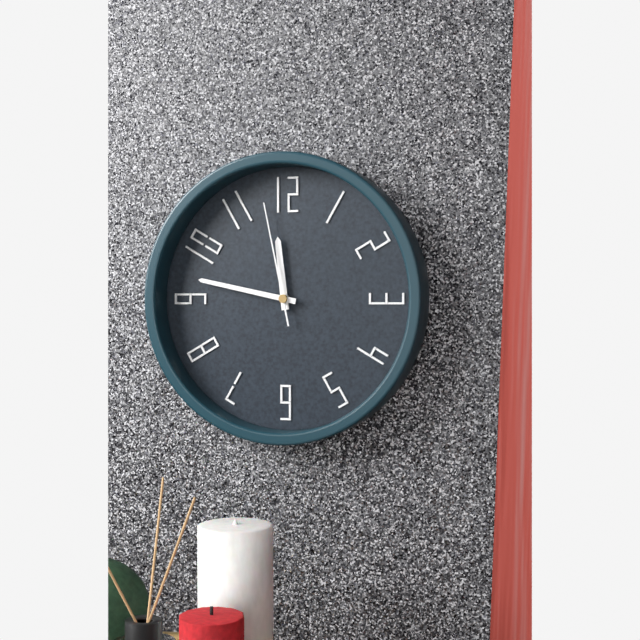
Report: 11:47:58
